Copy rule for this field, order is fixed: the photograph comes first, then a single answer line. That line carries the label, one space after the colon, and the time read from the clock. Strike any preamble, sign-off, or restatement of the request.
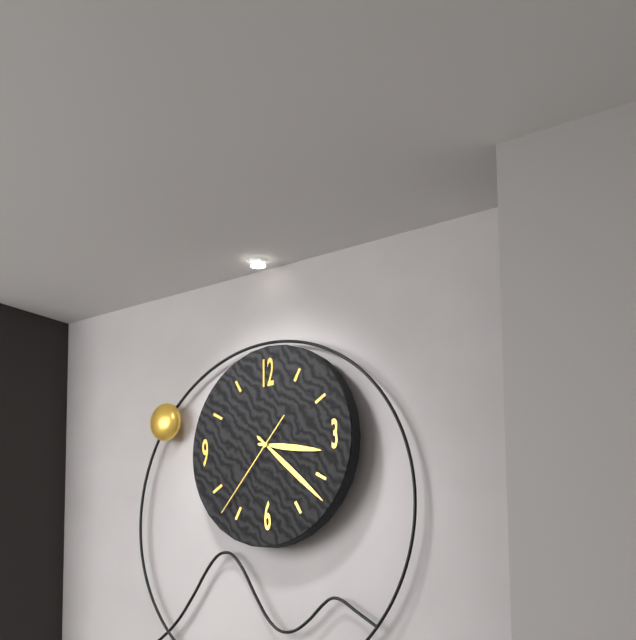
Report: 3:22:37
